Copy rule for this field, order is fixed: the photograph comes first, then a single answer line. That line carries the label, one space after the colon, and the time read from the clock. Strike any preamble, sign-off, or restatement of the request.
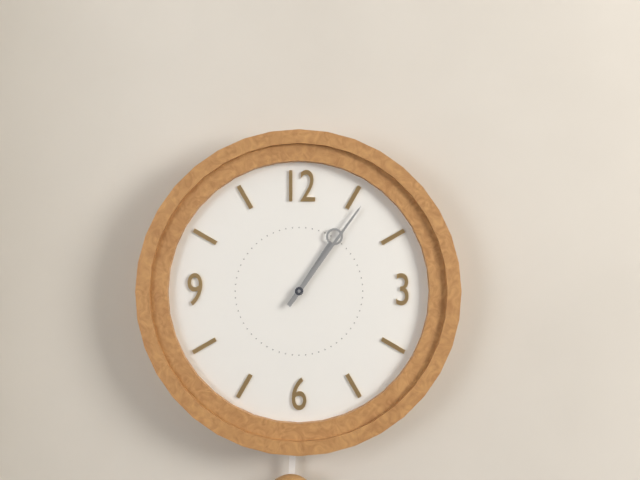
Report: 1:06
